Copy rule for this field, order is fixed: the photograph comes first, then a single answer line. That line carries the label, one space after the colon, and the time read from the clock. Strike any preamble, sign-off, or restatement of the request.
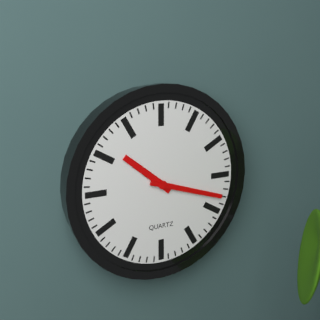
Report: 10:18
